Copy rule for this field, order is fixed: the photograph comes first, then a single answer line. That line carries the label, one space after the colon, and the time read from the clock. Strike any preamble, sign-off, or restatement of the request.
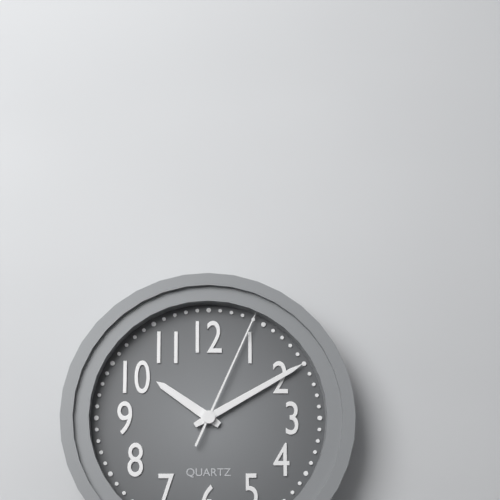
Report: 10:10:04
